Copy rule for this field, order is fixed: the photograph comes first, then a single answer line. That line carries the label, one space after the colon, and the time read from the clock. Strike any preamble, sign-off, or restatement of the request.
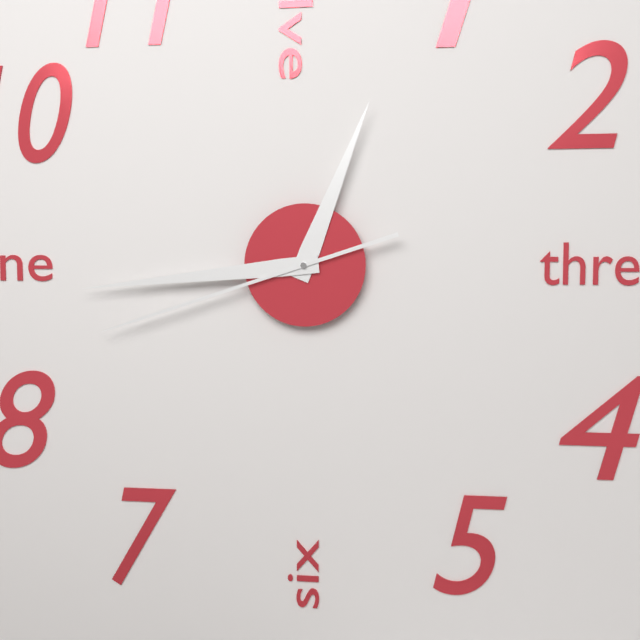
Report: 12:44:42
